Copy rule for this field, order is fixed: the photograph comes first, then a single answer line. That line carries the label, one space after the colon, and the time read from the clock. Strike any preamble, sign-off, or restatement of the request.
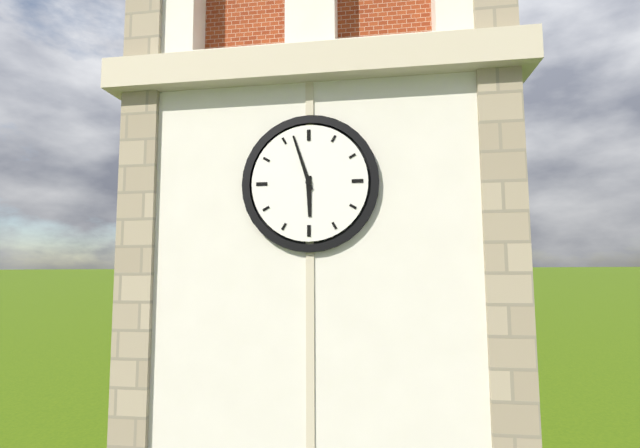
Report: 5:57
